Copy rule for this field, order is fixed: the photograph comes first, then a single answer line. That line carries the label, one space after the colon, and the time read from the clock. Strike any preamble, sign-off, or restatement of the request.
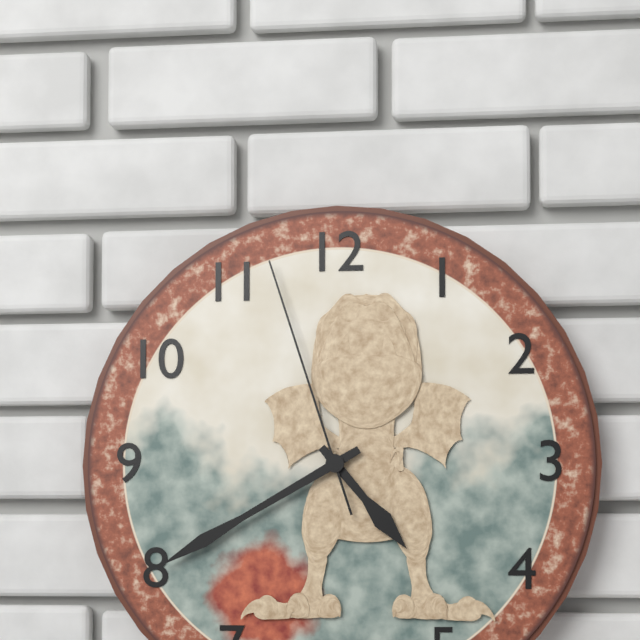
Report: 4:40:57
